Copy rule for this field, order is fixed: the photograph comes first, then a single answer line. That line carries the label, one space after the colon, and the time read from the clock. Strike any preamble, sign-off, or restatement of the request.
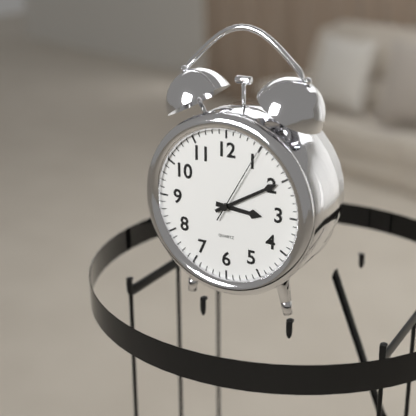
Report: 3:10:05
